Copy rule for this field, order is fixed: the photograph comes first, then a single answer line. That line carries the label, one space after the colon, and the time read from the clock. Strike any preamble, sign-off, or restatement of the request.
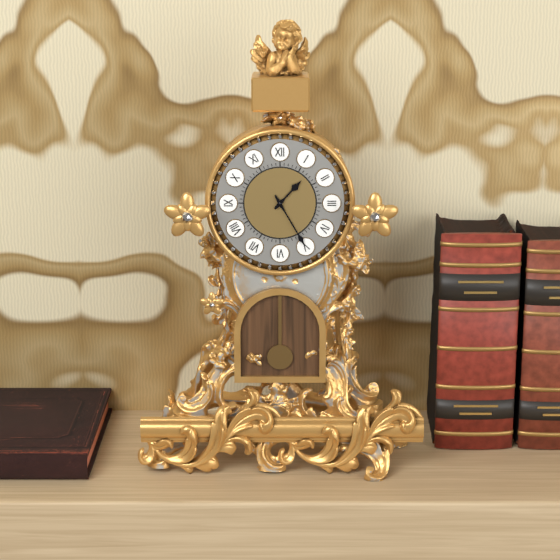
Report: 1:25
